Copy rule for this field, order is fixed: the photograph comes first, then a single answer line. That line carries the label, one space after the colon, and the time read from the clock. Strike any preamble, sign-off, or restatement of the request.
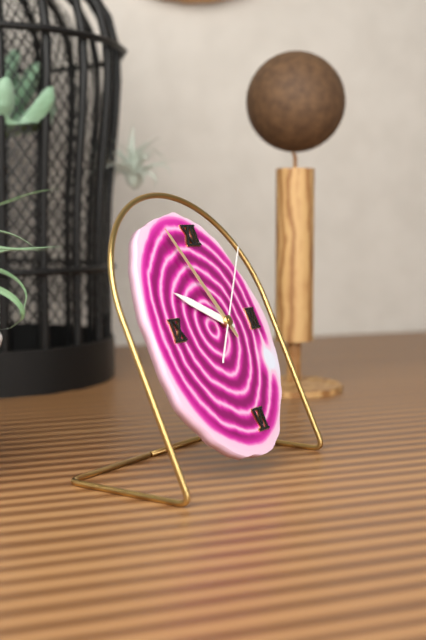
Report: 9:56:07
